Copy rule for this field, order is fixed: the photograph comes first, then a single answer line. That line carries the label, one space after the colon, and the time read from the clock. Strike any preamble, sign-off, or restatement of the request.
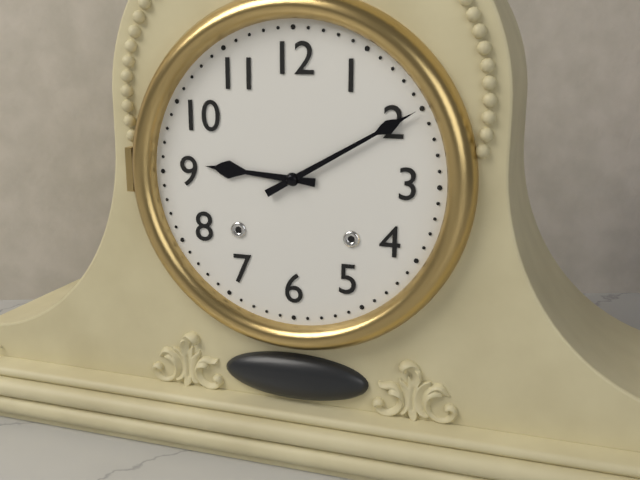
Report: 9:10
